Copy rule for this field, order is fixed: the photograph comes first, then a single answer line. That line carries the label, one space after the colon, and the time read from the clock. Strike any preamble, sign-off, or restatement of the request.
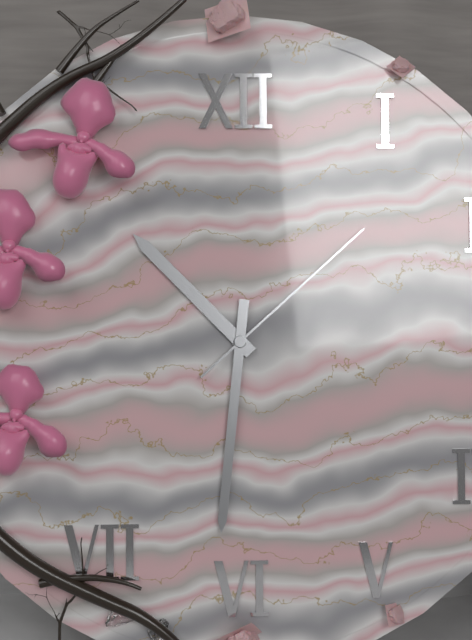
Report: 10:31:08
